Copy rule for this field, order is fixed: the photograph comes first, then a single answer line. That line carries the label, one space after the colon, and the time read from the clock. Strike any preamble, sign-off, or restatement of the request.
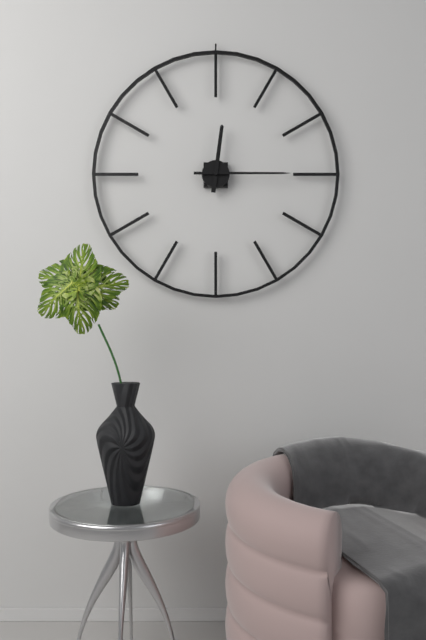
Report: 12:15
